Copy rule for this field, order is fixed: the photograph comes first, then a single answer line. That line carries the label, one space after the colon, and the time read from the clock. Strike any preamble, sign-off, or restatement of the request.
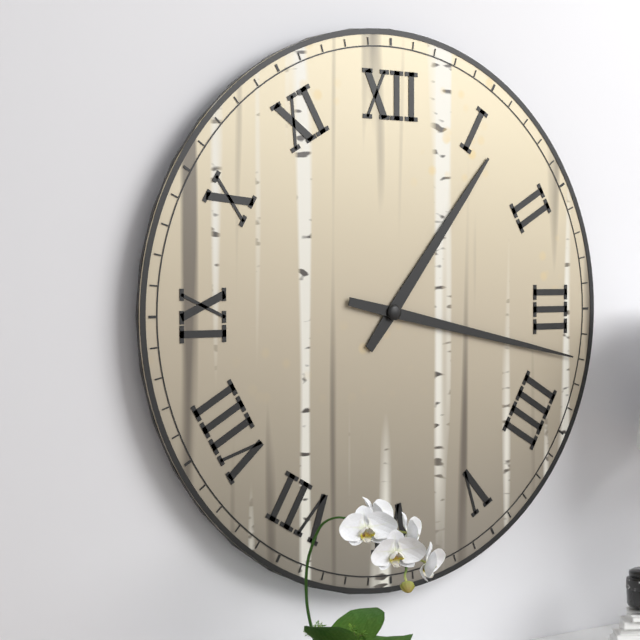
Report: 1:17
